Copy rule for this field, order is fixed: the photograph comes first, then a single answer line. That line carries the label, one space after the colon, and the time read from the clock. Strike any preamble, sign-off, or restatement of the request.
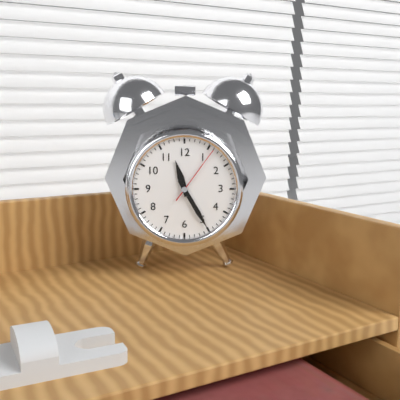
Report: 11:25:06
